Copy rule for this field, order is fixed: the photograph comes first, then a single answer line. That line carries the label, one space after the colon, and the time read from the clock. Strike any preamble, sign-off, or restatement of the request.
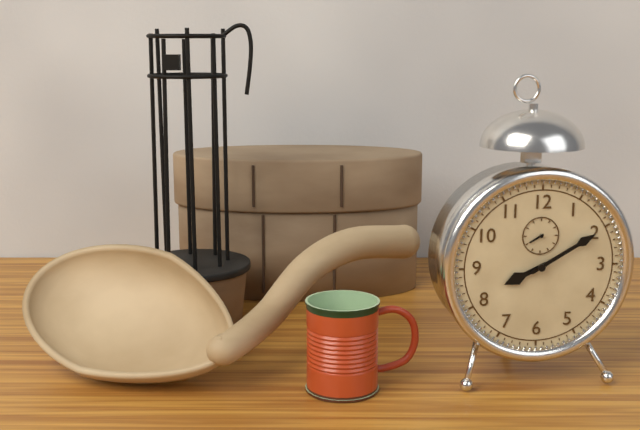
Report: 8:10
